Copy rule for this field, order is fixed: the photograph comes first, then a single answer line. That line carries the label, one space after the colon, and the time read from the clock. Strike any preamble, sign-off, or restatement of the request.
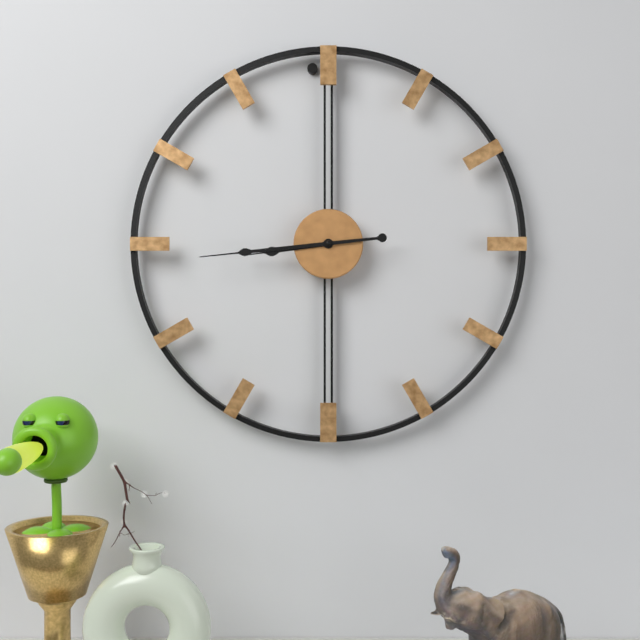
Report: 8:44
